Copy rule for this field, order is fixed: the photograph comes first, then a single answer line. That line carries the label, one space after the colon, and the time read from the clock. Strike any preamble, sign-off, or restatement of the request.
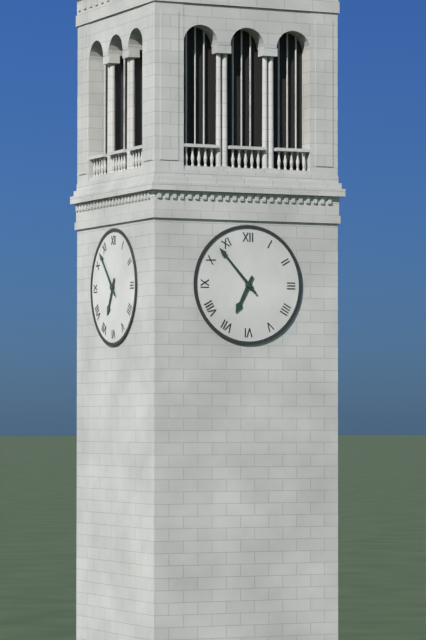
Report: 6:53
